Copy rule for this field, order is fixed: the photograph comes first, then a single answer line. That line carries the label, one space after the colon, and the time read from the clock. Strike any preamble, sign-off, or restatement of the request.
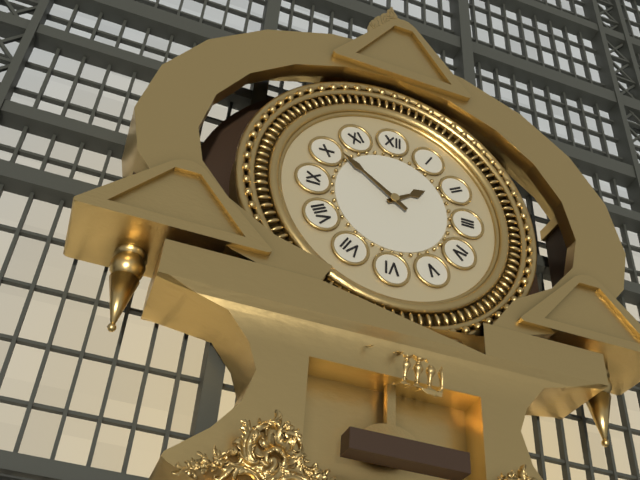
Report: 1:51
